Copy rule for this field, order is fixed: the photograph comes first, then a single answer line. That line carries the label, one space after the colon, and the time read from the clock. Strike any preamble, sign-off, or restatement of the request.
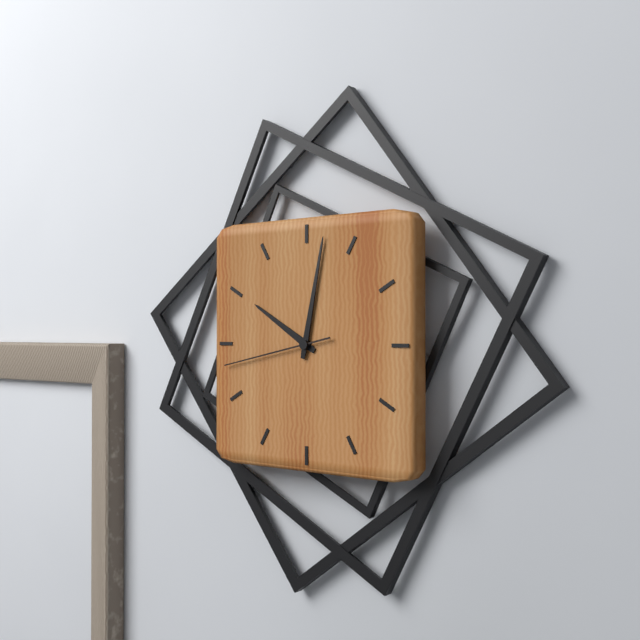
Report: 10:02:43
